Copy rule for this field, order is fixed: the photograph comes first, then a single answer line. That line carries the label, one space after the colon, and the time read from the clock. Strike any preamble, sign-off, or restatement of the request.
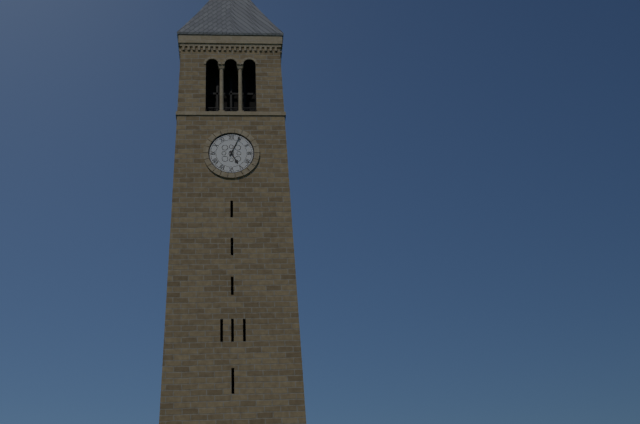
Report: 5:04
